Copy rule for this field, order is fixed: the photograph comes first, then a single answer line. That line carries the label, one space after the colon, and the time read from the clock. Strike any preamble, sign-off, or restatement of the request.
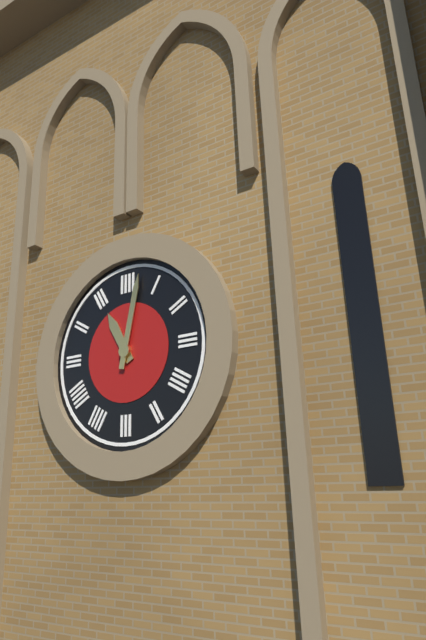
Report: 11:02
